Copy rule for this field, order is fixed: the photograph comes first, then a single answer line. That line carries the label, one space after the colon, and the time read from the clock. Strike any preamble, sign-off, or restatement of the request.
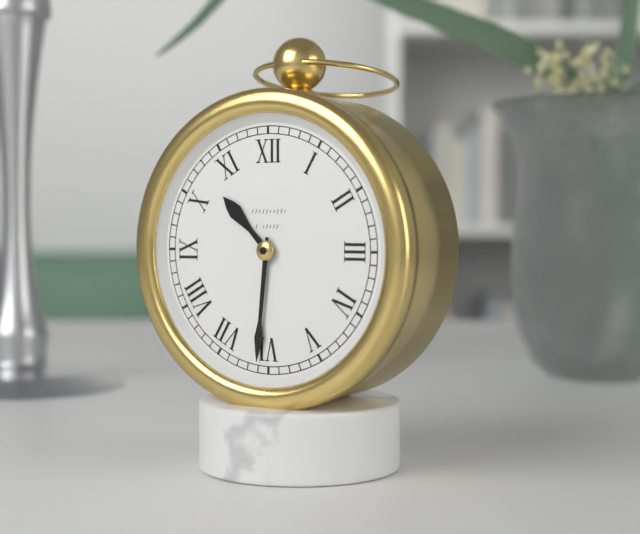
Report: 10:31
